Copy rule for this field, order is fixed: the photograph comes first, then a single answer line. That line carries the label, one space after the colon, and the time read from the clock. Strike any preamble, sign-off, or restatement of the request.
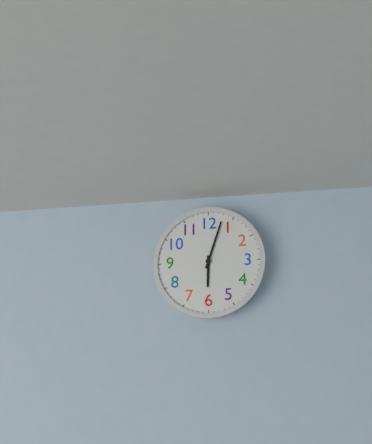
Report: 6:03
